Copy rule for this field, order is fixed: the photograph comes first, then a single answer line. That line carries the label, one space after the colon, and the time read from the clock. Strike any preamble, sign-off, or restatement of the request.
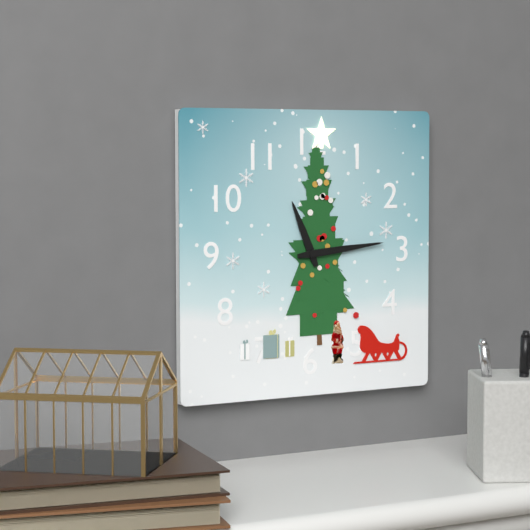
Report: 11:14
